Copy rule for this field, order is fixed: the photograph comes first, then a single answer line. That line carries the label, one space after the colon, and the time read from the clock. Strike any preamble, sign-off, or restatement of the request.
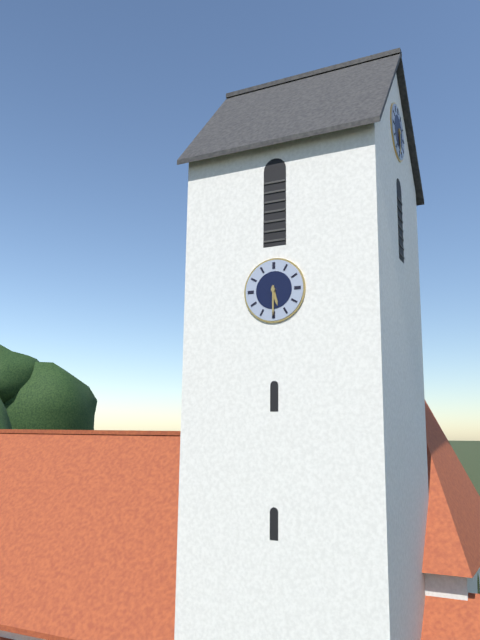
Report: 5:30
